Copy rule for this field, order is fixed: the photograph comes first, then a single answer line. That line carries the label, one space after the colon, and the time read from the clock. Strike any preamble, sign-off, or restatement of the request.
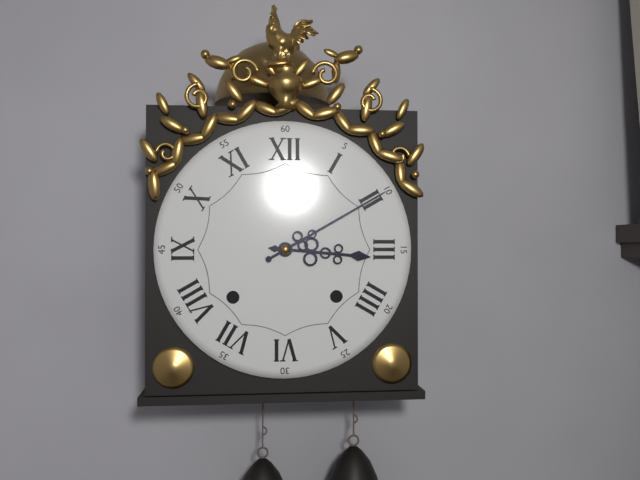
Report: 3:10
